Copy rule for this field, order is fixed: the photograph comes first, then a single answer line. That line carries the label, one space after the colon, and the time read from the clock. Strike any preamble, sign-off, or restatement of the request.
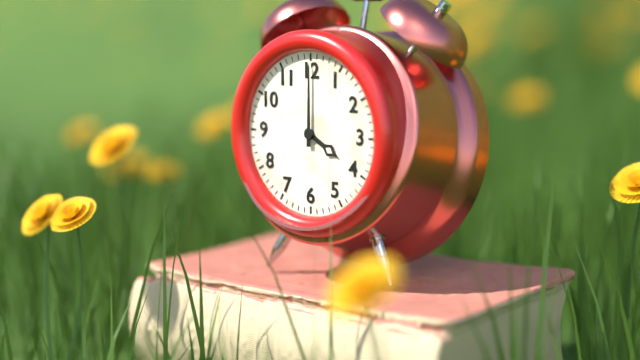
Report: 4:00
